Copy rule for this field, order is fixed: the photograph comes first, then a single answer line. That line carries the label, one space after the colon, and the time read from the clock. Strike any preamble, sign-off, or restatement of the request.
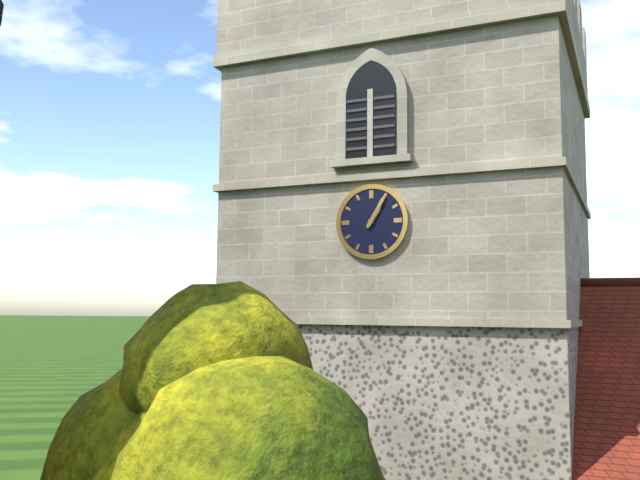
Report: 1:05
